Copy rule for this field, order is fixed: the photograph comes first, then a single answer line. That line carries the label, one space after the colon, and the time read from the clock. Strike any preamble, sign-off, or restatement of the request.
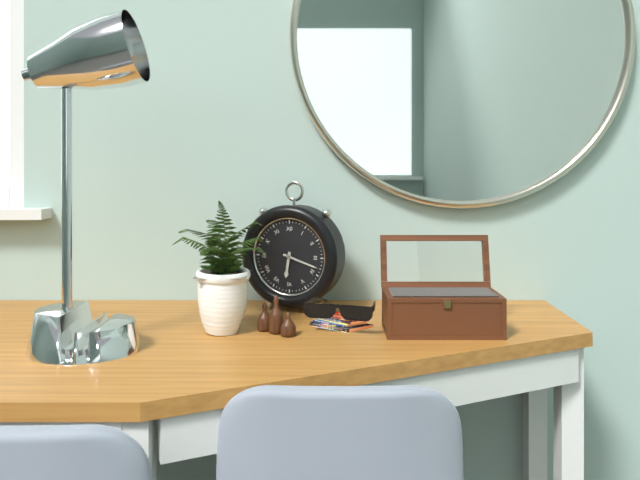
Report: 6:18
